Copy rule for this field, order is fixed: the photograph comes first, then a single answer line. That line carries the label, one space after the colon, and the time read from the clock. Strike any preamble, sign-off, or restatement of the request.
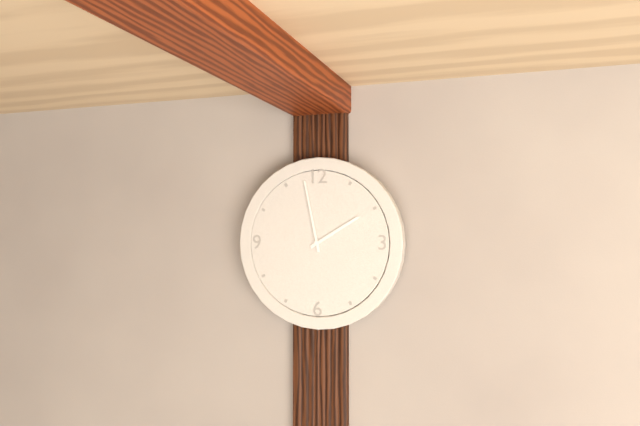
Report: 1:58
